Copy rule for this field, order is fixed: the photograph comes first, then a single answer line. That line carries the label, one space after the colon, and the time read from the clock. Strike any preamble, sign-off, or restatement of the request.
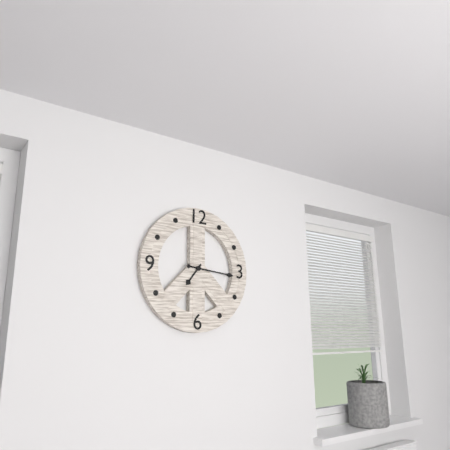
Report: 7:16
